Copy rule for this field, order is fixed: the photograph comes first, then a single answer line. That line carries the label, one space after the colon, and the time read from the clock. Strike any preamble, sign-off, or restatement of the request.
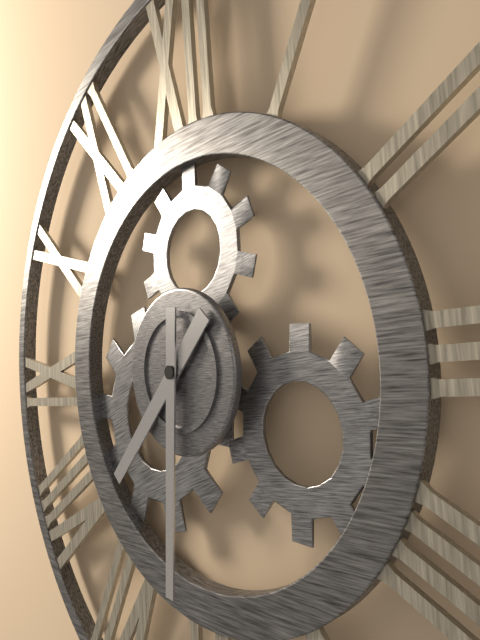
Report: 7:31
